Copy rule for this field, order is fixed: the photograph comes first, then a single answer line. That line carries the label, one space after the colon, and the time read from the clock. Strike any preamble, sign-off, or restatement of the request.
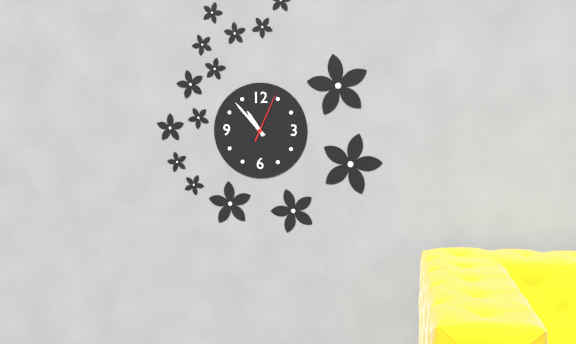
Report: 10:53:04
